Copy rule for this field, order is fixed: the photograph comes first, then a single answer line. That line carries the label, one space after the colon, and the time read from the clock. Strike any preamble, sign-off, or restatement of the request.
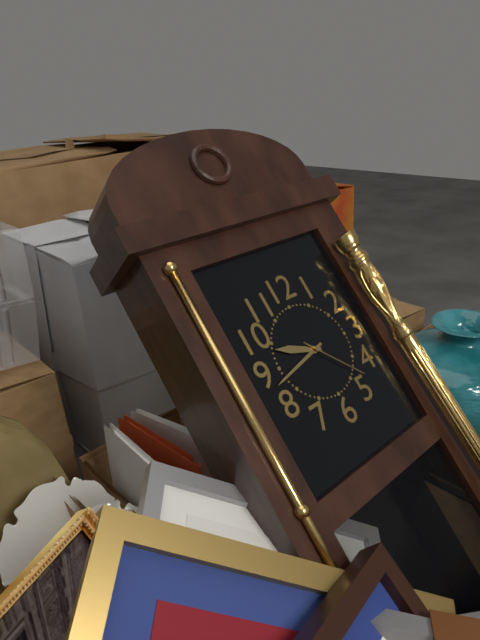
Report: 9:43:23
